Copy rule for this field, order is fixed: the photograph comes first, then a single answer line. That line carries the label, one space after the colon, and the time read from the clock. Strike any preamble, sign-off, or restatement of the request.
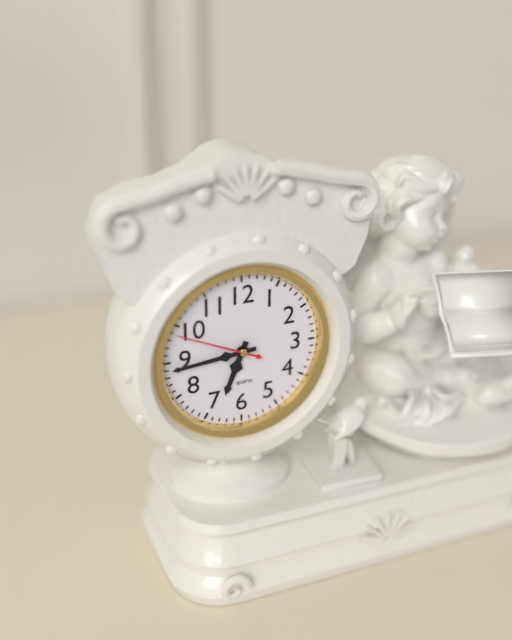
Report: 6:44:49
